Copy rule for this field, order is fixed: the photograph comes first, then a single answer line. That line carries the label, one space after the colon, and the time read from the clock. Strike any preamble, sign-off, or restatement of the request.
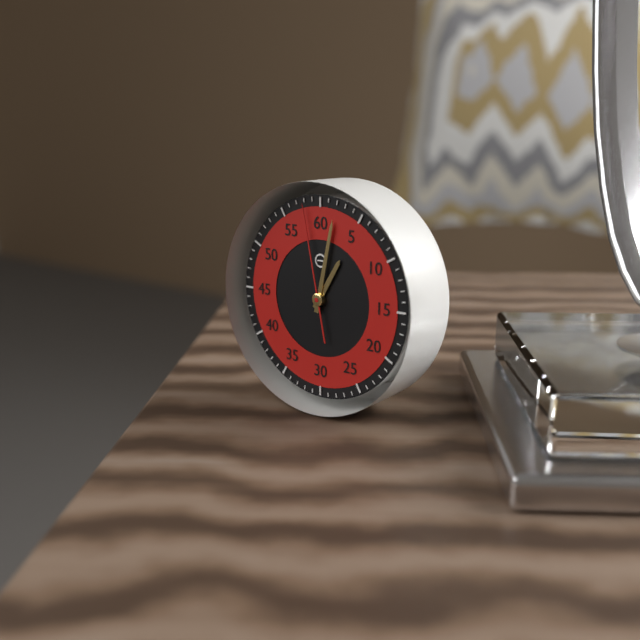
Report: 1:02:58
